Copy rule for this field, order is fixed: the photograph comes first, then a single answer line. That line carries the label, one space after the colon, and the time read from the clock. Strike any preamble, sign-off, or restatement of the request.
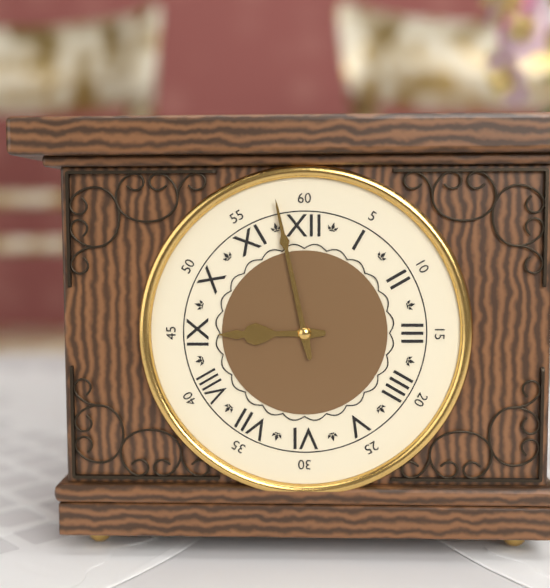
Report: 8:58
